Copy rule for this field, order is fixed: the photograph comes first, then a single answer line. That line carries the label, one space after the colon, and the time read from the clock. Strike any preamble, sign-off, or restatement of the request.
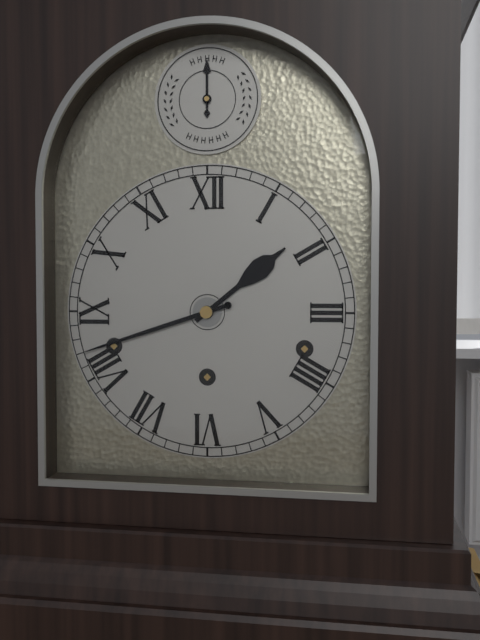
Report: 1:42
